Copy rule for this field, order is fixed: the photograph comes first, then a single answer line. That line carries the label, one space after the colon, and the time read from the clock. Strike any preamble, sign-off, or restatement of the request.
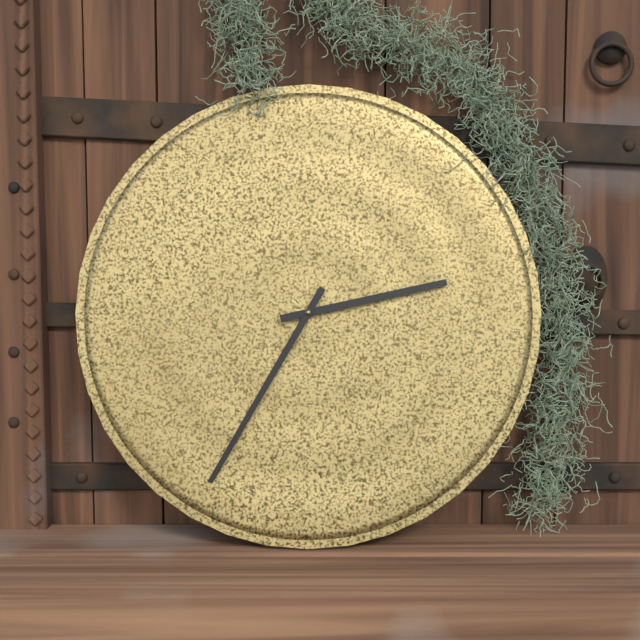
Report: 2:35
